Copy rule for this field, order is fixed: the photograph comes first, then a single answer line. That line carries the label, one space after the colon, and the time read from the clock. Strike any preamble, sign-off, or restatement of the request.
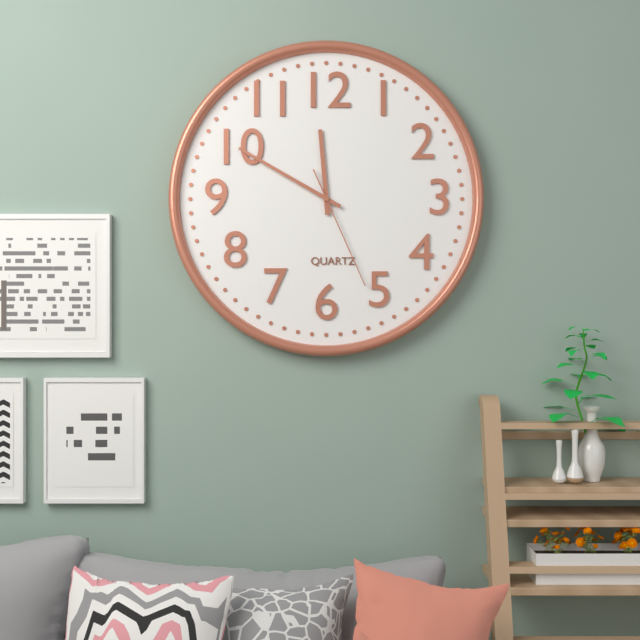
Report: 11:50:26
